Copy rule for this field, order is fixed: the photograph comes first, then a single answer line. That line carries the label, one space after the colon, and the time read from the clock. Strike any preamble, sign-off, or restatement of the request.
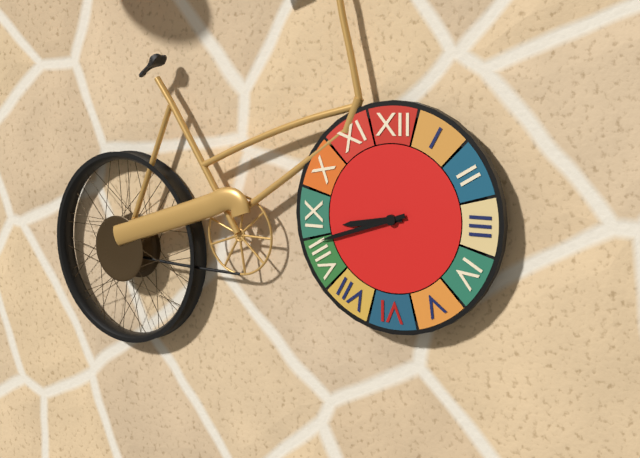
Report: 8:42
